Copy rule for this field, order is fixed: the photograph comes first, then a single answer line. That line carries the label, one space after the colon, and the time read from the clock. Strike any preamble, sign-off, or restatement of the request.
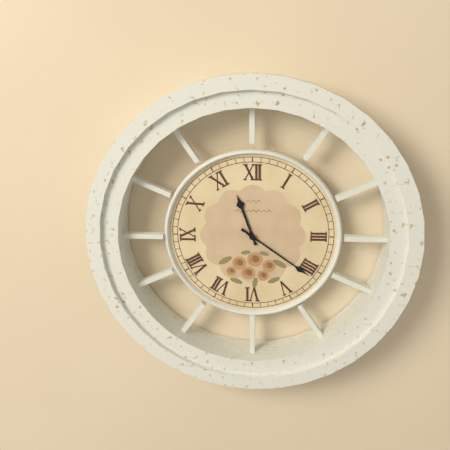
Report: 11:21
